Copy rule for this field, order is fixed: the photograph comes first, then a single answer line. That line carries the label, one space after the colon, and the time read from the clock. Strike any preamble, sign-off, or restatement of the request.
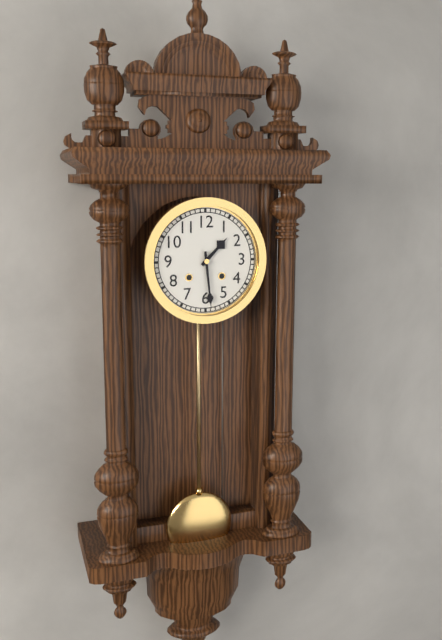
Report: 1:29
